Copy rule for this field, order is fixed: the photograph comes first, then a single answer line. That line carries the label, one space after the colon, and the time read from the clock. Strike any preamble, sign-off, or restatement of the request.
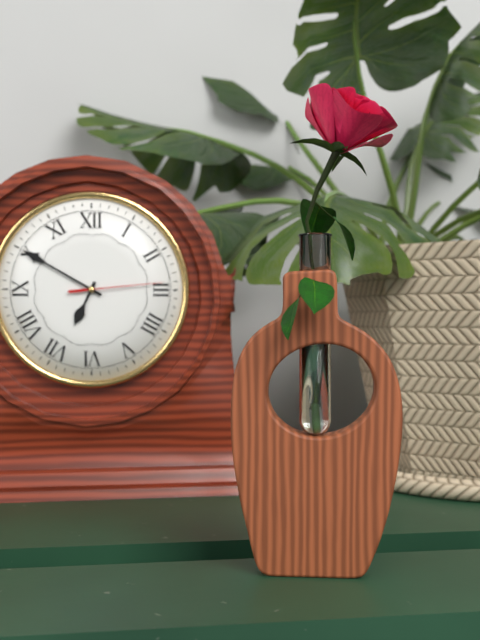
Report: 6:50:14
